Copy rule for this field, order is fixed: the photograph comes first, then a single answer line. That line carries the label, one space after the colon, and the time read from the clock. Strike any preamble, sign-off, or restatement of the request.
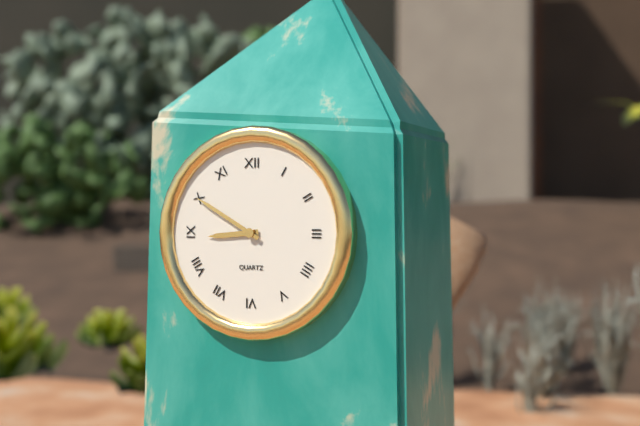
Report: 8:50
